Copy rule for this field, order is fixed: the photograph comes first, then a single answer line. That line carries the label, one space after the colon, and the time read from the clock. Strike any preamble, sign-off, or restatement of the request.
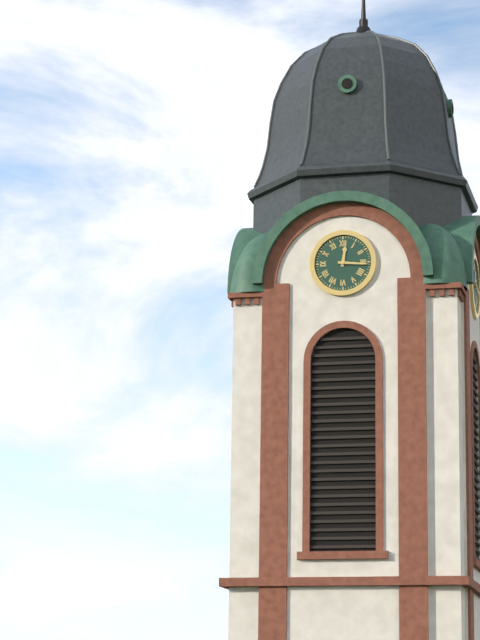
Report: 12:16
